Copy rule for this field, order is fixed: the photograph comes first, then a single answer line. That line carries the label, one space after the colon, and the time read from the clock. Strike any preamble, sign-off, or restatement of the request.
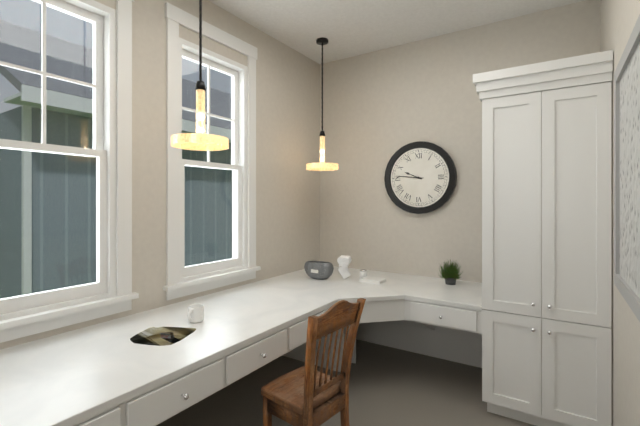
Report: 9:46
